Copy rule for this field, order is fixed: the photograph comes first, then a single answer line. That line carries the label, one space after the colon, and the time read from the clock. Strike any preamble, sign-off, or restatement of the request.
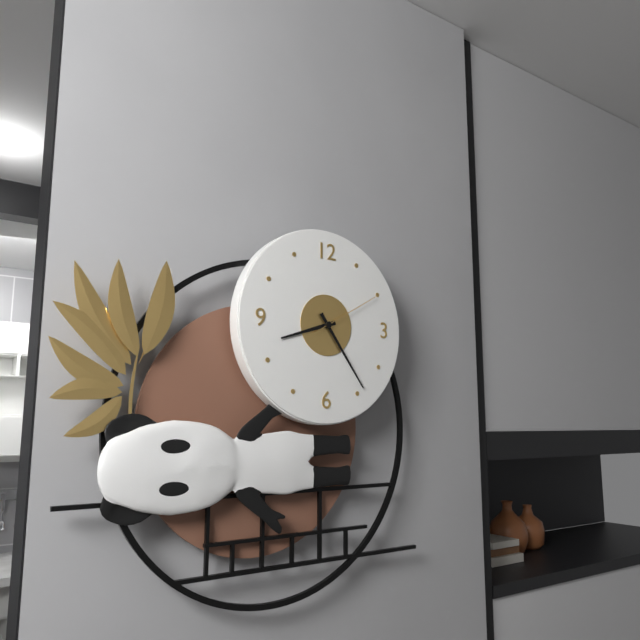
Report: 8:24:10
